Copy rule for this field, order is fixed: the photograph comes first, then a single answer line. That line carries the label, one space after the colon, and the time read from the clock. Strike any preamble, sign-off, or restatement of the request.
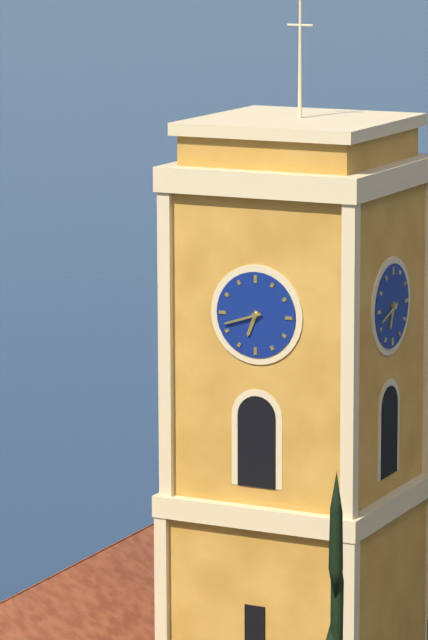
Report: 6:42
